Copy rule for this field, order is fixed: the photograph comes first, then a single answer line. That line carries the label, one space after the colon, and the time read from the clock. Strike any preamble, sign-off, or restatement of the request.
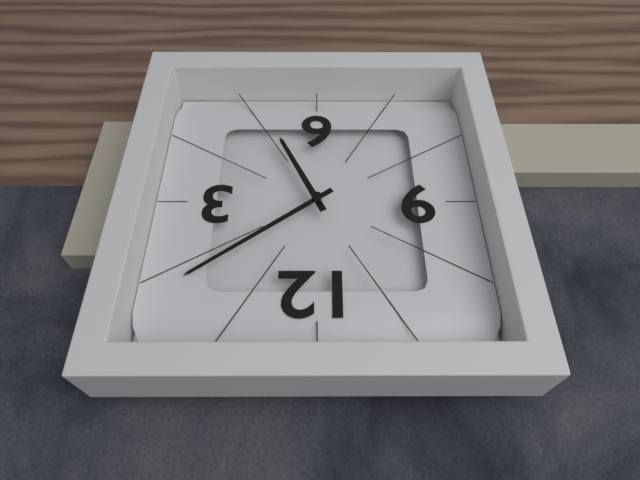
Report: 5:09
